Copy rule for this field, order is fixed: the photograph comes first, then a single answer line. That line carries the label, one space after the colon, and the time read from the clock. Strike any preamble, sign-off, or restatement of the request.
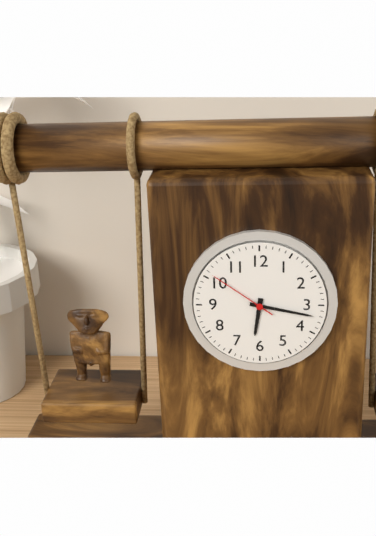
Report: 6:17:51
